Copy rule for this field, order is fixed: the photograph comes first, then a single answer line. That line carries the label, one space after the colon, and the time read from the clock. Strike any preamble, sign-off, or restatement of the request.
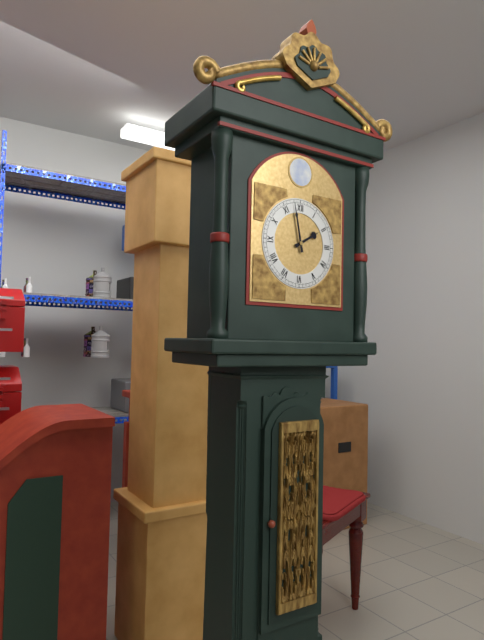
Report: 1:58
